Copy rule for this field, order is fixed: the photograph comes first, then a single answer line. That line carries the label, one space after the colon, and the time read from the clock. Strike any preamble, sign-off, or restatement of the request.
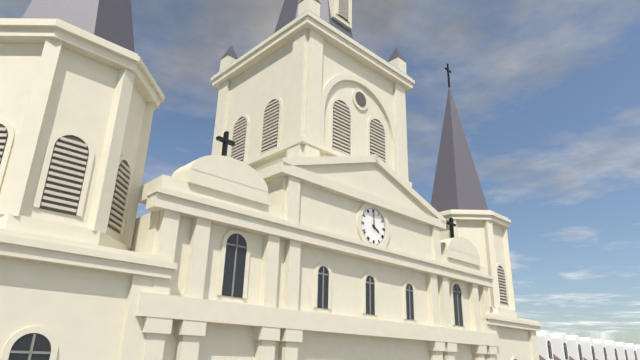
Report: 4:00
